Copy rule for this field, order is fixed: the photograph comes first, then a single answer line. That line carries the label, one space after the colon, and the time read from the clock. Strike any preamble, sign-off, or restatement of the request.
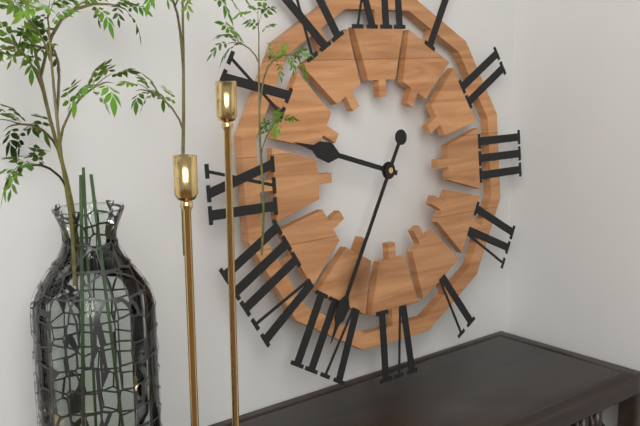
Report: 9:35
